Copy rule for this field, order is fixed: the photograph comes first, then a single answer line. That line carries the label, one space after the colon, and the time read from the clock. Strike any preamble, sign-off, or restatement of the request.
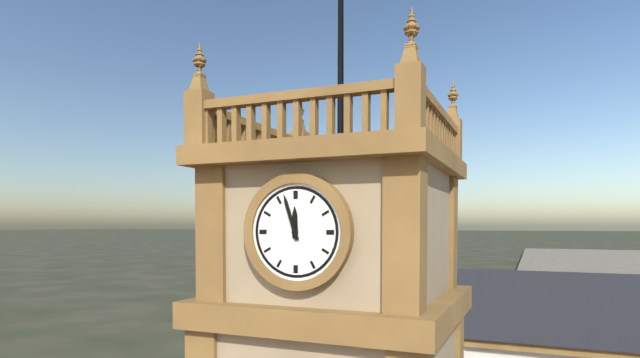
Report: 11:57
